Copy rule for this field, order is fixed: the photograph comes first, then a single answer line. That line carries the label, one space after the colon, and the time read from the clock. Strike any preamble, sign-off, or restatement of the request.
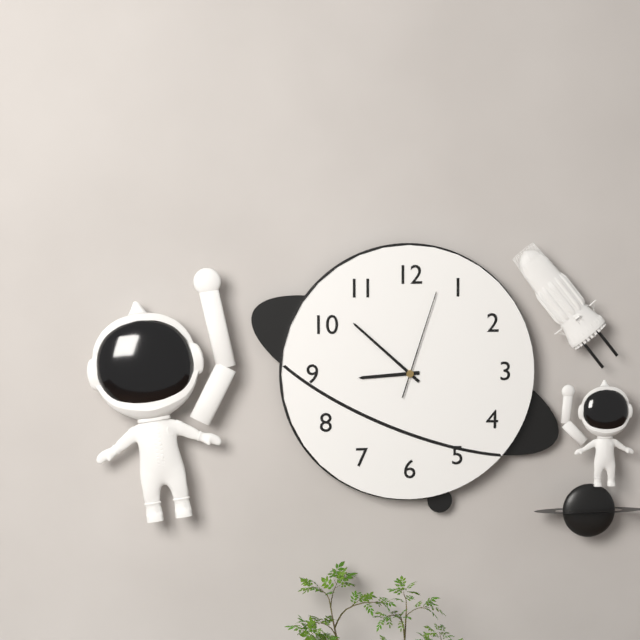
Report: 8:52:03
